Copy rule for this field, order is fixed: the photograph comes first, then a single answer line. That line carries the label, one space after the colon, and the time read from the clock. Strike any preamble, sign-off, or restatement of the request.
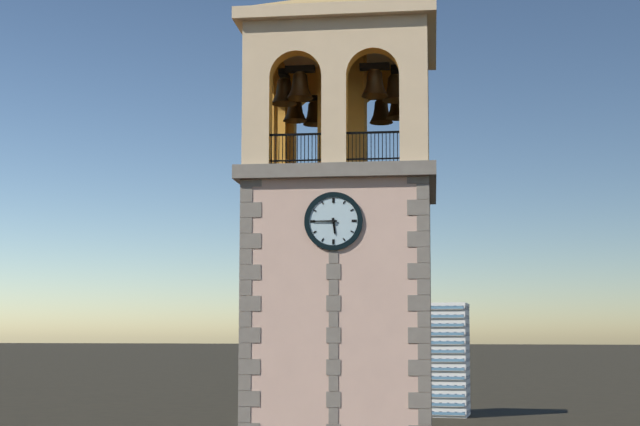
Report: 5:45
